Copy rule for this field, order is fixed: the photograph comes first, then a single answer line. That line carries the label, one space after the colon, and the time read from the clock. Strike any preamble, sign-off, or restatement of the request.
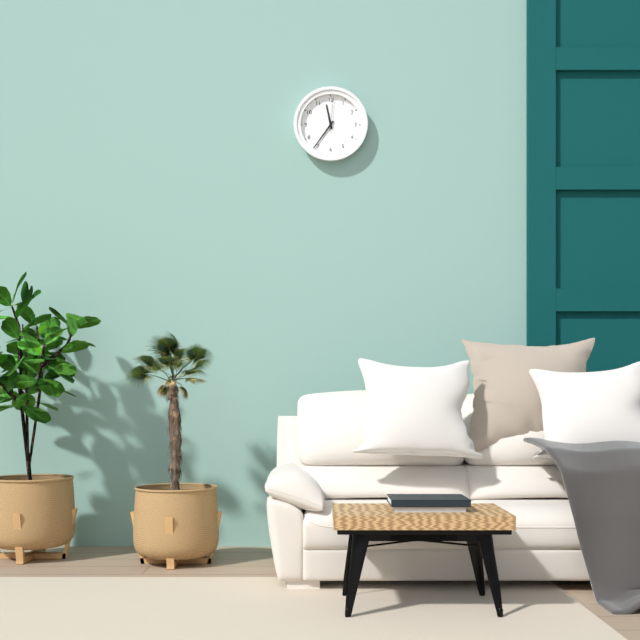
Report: 11:36
